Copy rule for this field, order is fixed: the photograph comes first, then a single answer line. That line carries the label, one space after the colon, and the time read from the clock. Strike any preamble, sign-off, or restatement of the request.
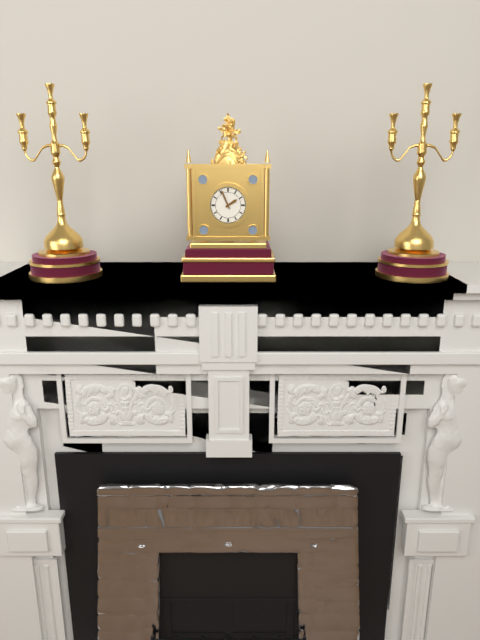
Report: 1:56
